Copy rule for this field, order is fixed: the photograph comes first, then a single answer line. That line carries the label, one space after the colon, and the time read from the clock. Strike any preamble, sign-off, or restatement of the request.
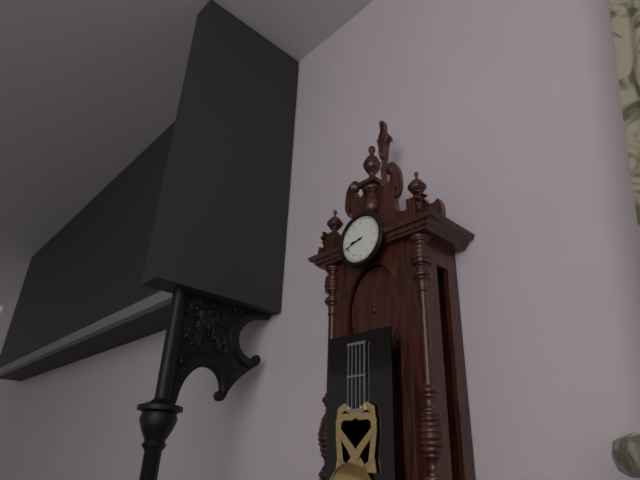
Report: 8:42
